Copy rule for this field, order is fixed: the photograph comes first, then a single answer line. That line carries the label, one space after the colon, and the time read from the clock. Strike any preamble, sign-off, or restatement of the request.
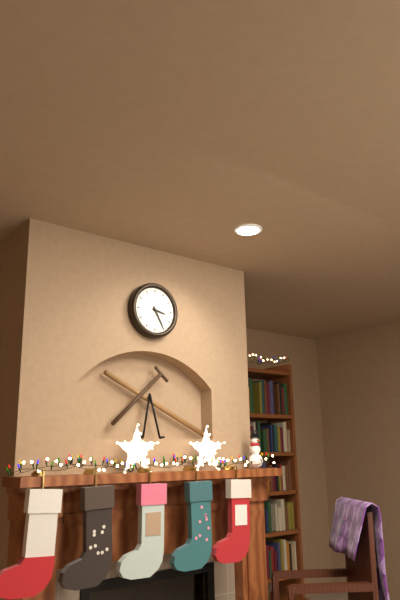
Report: 3:25
